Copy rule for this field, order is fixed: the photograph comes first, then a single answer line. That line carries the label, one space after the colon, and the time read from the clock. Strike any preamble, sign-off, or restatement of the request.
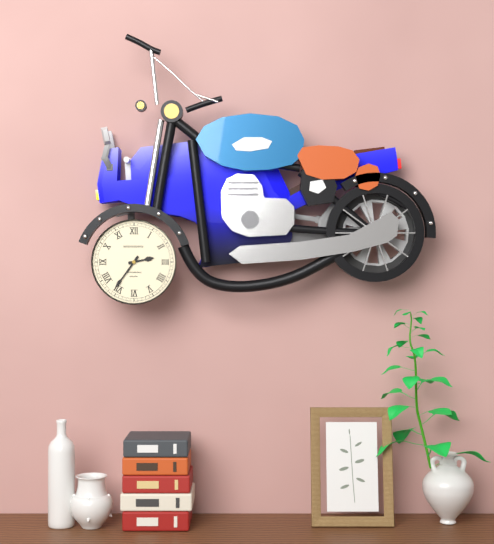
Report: 2:36
